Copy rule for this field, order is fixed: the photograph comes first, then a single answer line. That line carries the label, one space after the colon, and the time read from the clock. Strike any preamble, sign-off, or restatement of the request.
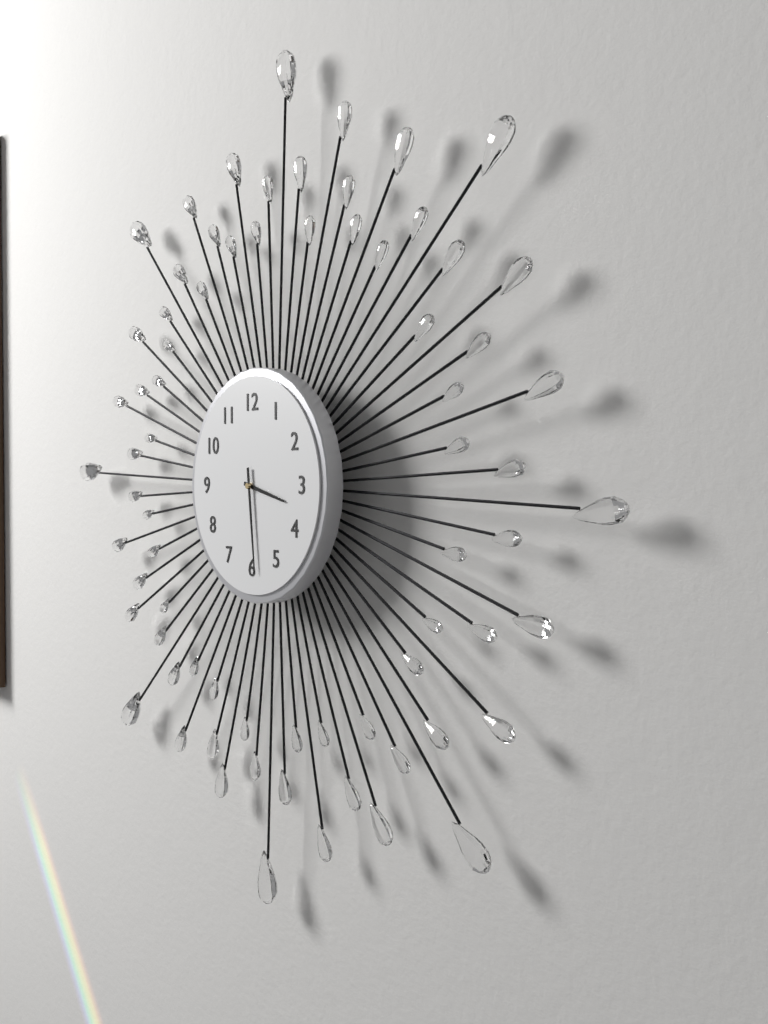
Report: 3:29
